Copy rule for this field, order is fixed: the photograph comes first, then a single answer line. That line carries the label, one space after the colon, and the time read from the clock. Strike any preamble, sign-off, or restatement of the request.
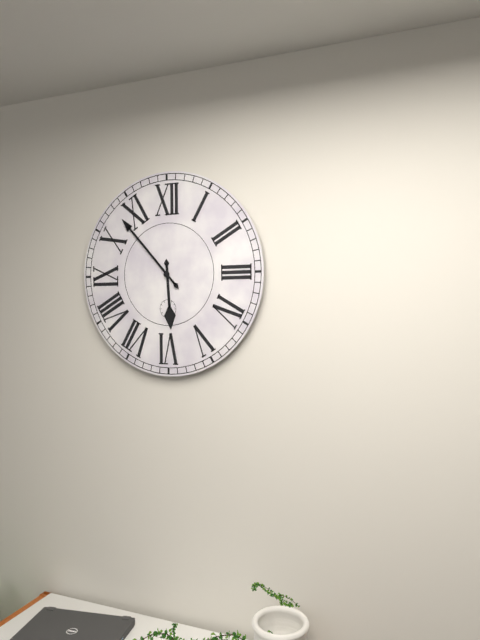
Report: 5:53
